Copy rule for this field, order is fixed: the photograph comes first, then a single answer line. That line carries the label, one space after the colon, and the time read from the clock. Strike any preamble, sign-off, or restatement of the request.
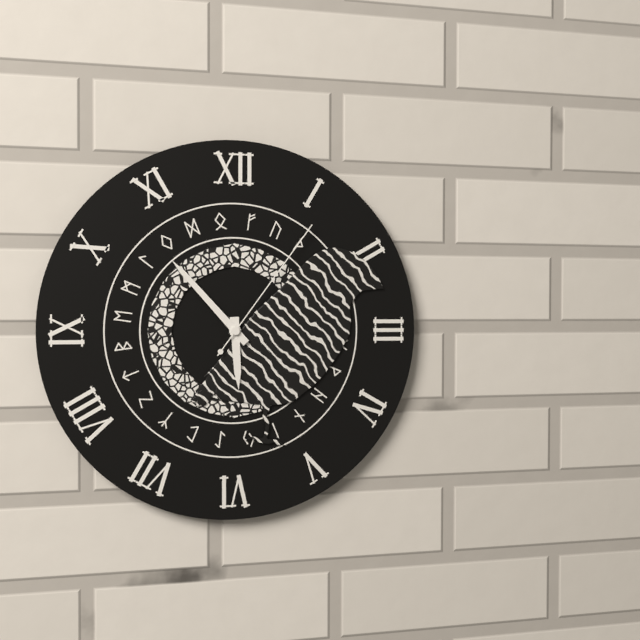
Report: 5:53:06
